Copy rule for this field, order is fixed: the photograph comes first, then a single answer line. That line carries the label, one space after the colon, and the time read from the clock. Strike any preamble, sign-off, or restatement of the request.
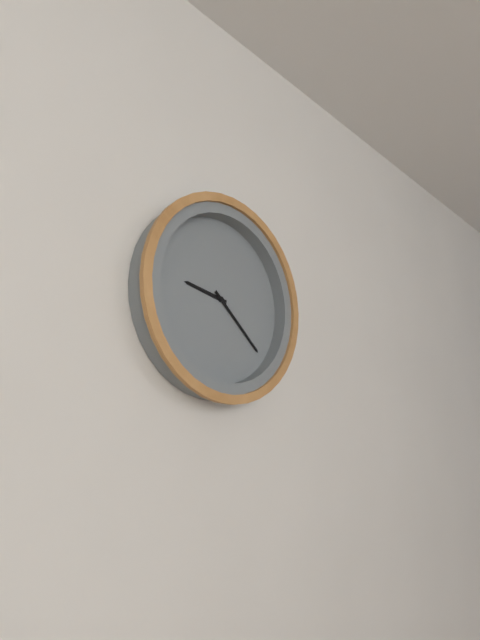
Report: 9:22
